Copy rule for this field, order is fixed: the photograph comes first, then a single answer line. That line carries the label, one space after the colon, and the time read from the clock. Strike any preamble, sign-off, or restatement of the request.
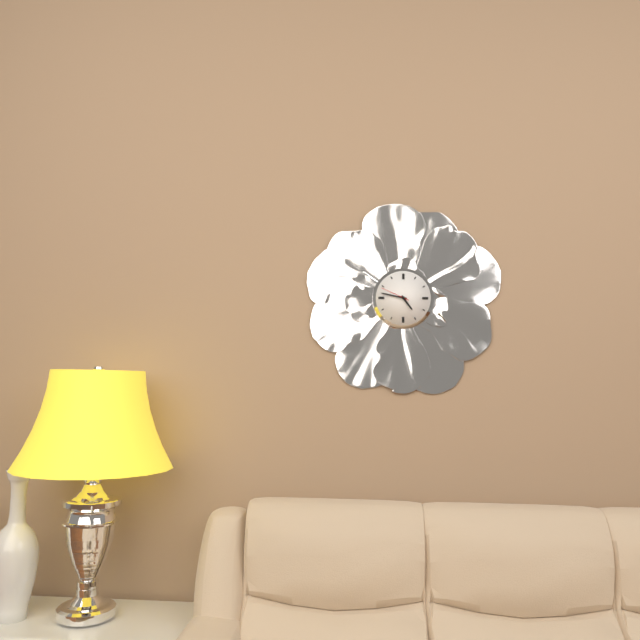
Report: 4:47
